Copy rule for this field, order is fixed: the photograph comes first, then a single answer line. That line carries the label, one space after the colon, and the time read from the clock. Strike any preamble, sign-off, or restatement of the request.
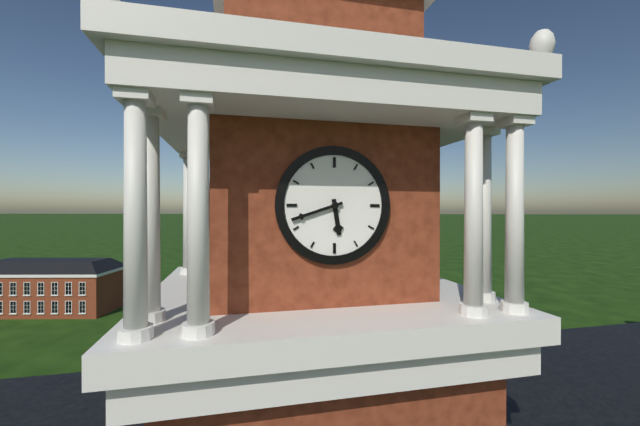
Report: 5:42
